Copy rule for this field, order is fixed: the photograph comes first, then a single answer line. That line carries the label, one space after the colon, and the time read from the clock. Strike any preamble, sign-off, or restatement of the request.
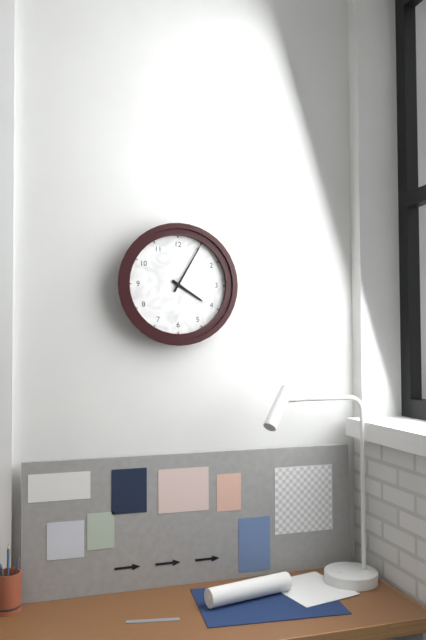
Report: 4:05
